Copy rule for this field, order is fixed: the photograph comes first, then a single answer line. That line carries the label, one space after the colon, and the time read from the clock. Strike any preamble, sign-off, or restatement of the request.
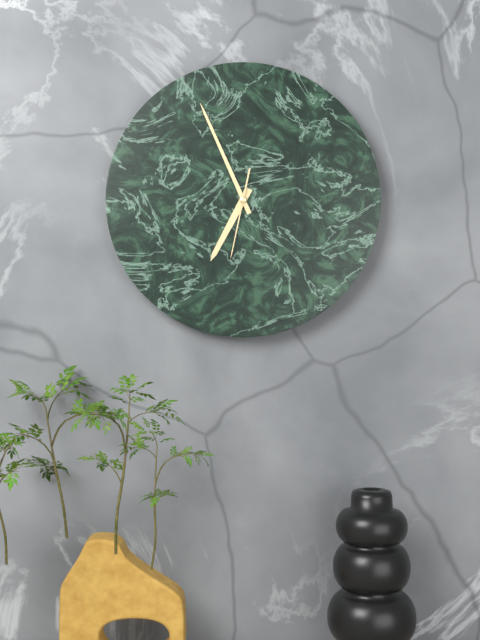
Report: 6:56:32
